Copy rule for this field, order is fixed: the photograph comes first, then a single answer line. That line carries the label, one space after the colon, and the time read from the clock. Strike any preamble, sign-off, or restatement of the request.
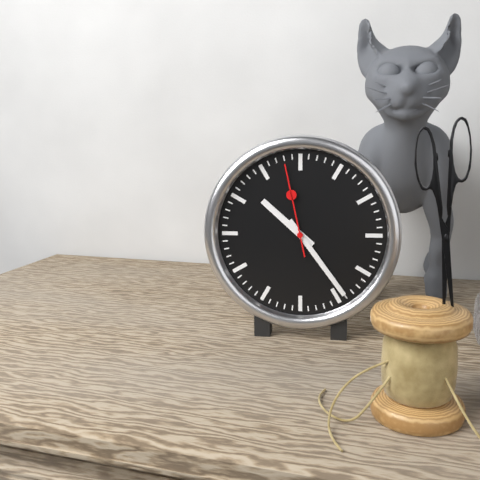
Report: 10:24:58
